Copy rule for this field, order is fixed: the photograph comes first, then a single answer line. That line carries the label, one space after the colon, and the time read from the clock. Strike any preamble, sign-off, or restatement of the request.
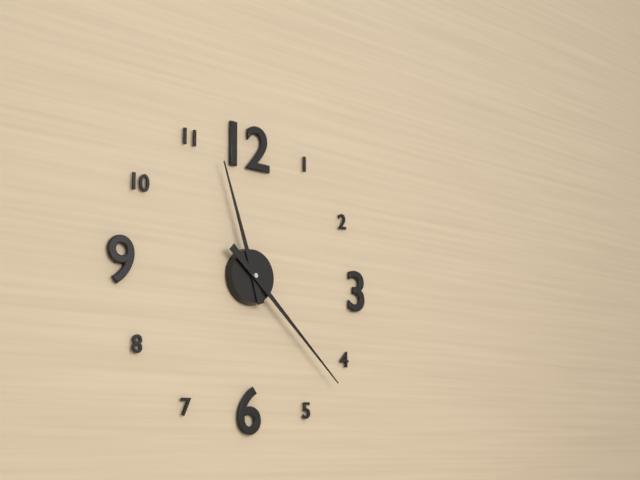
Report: 11:22
